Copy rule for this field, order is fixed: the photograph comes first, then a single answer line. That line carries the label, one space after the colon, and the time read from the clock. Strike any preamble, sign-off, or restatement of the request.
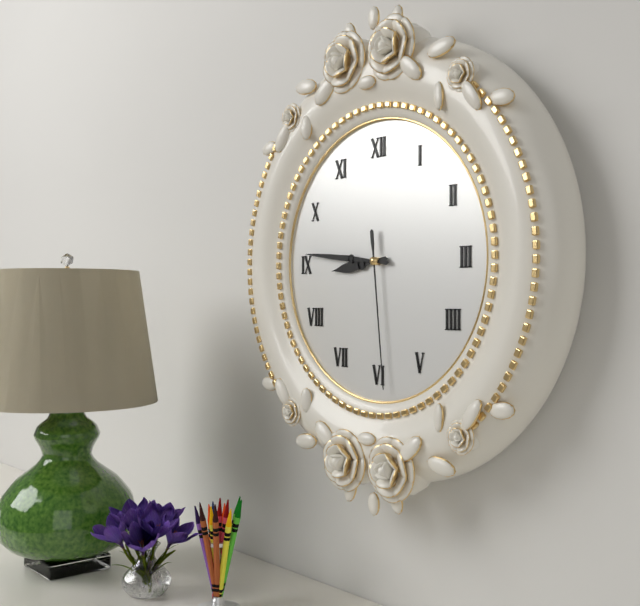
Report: 8:46:29
